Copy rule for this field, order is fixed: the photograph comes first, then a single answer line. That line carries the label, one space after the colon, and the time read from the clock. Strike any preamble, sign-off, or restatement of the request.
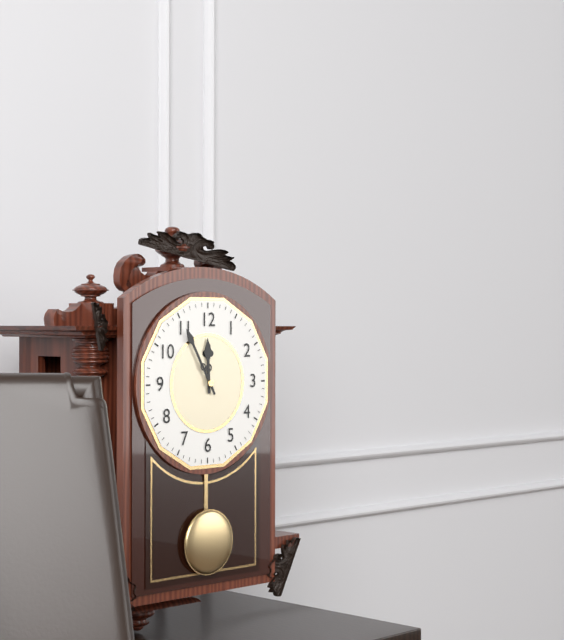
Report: 11:55
